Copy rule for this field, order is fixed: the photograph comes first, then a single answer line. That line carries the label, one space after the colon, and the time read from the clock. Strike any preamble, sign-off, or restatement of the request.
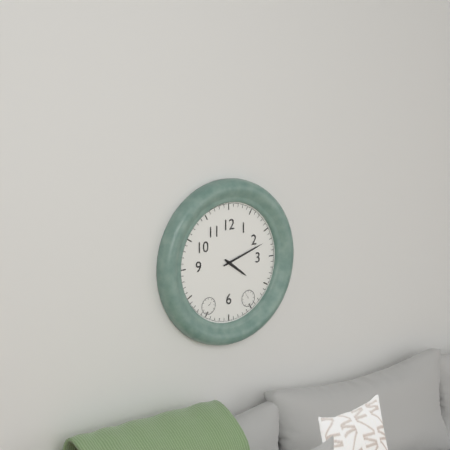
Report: 4:12
